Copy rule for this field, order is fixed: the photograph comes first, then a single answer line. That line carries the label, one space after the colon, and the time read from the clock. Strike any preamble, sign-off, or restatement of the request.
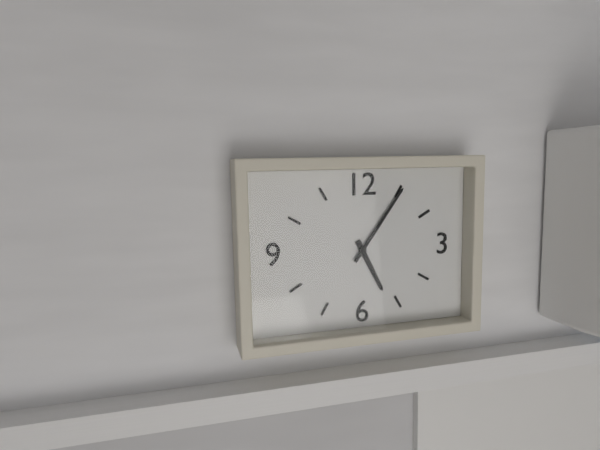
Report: 5:06
